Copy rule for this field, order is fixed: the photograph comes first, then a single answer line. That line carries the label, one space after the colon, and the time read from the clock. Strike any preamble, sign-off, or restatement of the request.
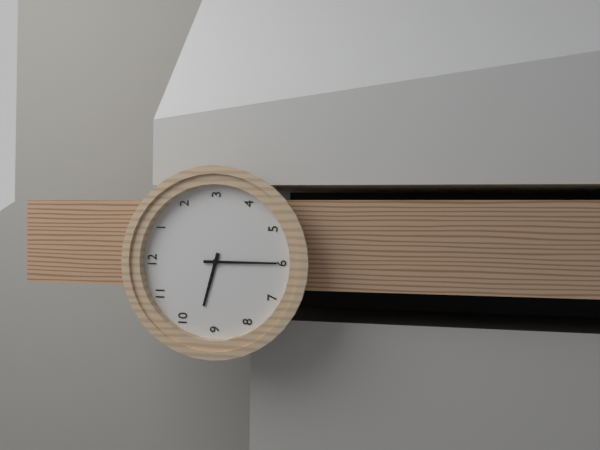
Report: 9:30
